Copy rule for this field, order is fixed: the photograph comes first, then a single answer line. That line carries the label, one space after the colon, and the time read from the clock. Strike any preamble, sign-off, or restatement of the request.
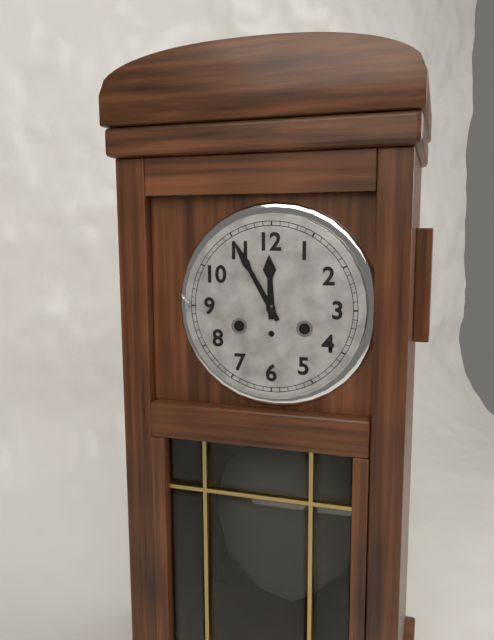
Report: 11:55
